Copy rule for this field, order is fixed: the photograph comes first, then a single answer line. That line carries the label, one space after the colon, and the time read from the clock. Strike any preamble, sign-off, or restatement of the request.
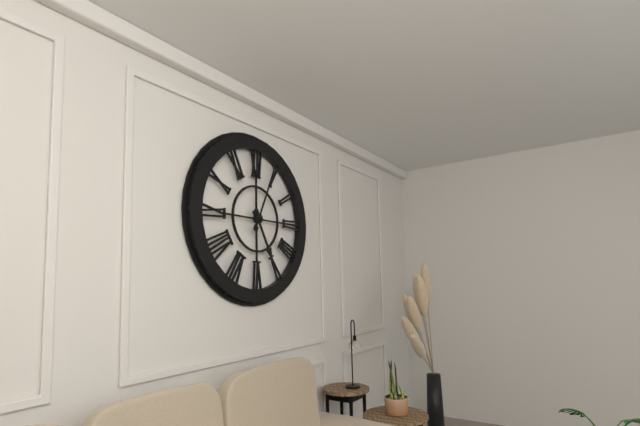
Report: 5:04
